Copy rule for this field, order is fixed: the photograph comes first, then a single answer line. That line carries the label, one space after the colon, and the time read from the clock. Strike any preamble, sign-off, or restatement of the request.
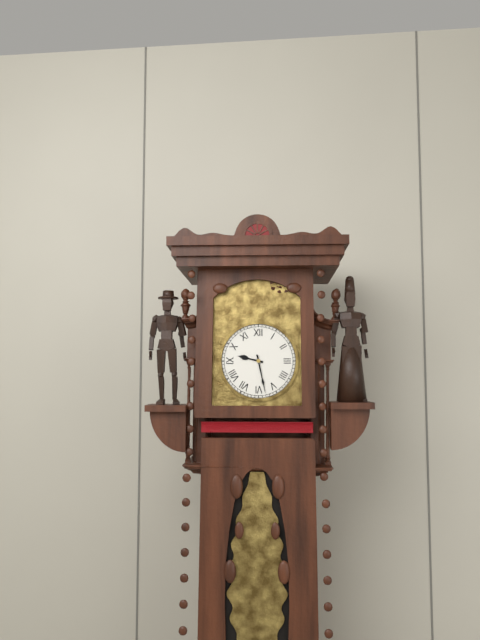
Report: 9:28
